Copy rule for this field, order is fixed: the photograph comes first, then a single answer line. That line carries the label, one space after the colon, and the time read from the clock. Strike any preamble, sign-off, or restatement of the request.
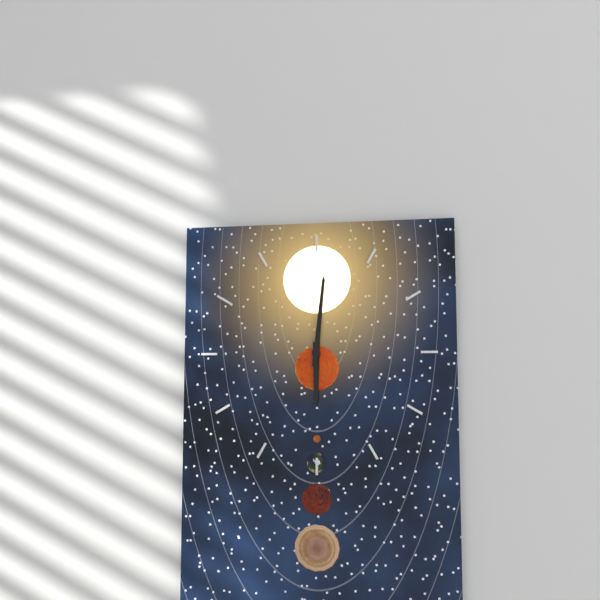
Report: 6:01
